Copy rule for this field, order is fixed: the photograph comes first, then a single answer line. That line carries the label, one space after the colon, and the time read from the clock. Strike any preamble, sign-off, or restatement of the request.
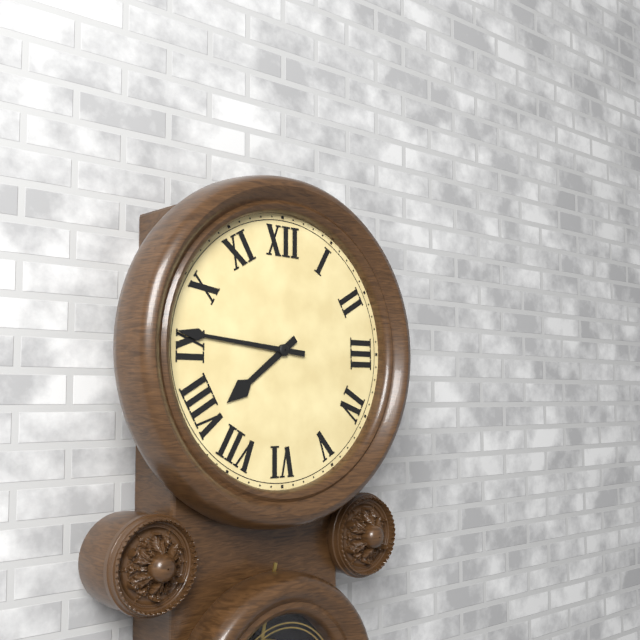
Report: 7:46
